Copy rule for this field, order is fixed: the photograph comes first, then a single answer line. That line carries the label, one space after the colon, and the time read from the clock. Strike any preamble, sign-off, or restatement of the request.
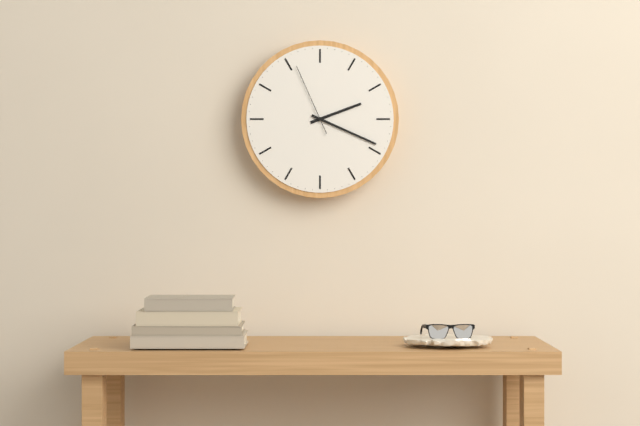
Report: 2:19:56
